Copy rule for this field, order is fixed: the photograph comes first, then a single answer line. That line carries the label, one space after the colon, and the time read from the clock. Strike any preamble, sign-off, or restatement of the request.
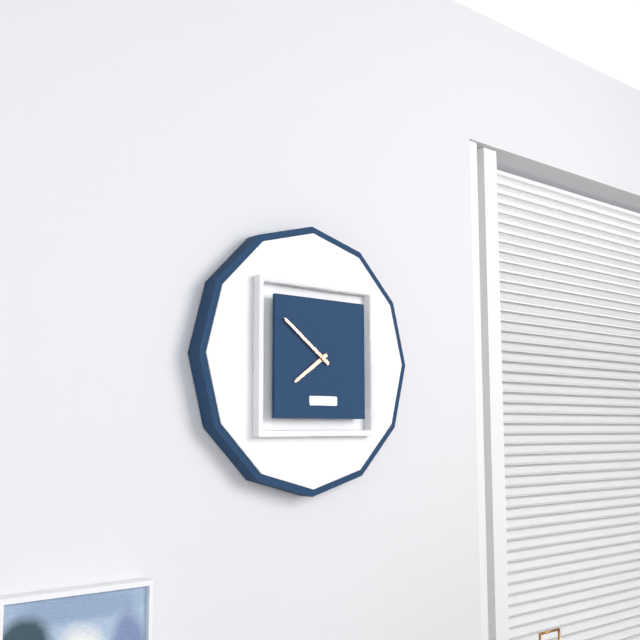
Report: 7:51
